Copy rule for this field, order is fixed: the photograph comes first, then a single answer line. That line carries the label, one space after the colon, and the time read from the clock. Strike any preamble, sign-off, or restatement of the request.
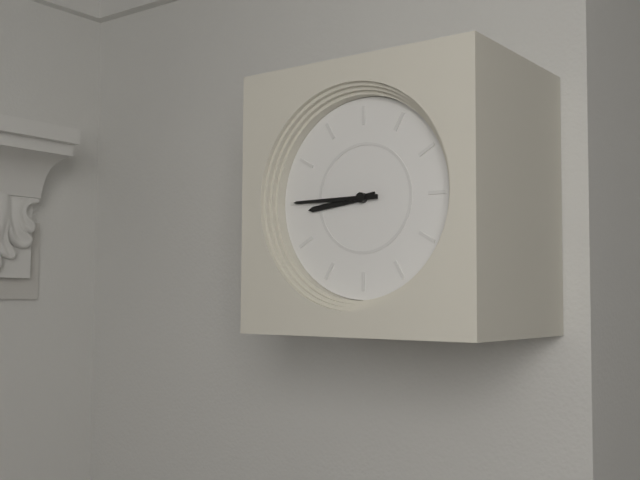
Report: 8:45
